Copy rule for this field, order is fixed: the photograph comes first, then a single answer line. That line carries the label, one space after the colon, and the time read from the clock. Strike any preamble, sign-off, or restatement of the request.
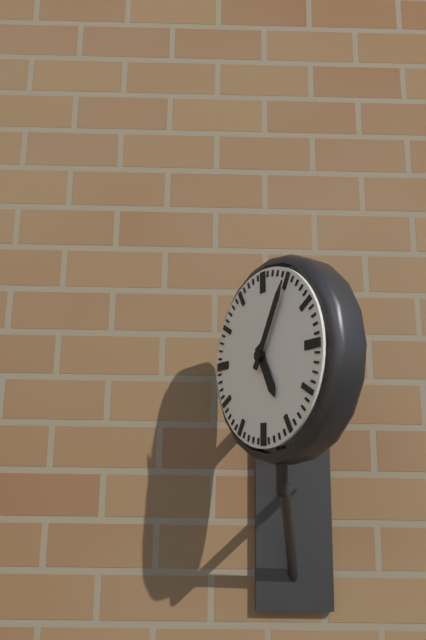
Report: 5:05
